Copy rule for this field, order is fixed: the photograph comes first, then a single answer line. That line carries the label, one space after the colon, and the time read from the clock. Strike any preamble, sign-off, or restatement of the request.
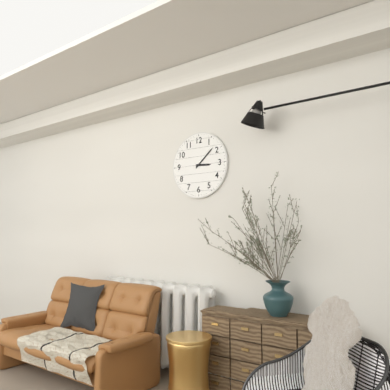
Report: 3:08
